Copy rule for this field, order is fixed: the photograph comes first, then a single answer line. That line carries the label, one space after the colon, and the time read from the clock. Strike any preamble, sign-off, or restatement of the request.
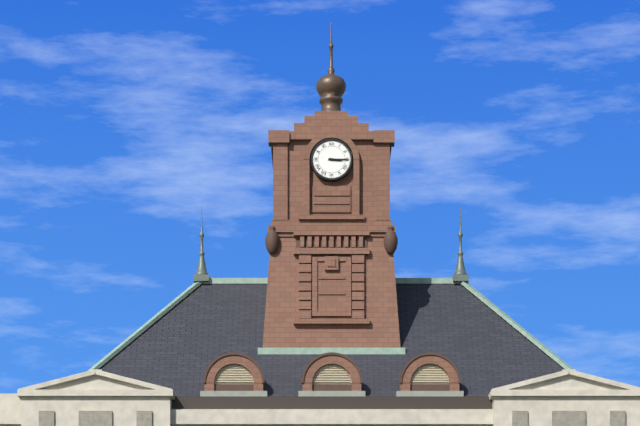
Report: 3:15
